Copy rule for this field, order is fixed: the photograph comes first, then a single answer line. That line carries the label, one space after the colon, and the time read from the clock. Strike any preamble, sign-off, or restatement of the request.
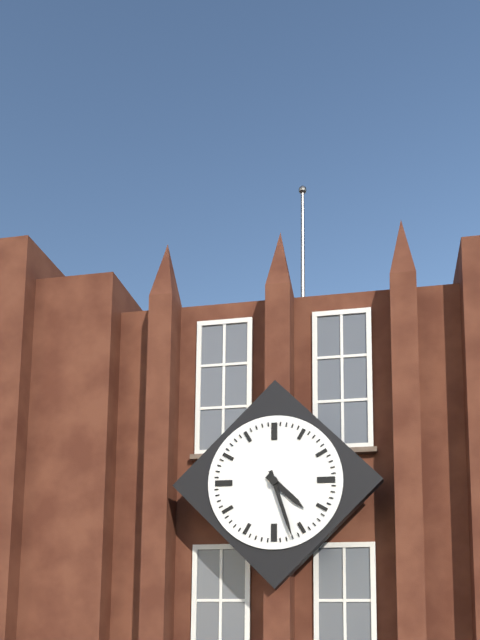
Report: 4:27
